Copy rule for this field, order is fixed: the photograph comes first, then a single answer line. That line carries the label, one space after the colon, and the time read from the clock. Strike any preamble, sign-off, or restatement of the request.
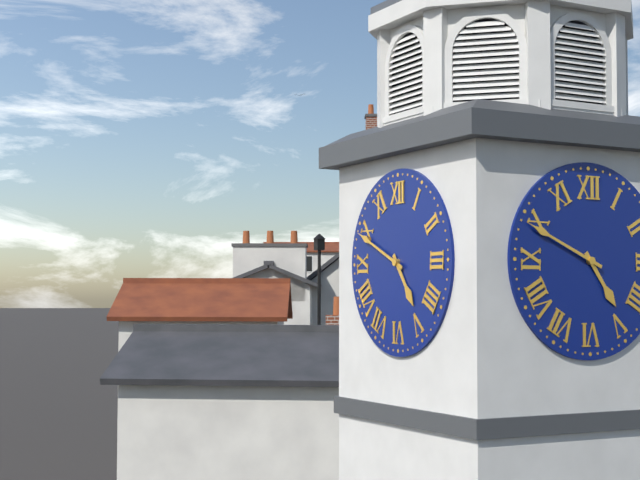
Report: 4:49
